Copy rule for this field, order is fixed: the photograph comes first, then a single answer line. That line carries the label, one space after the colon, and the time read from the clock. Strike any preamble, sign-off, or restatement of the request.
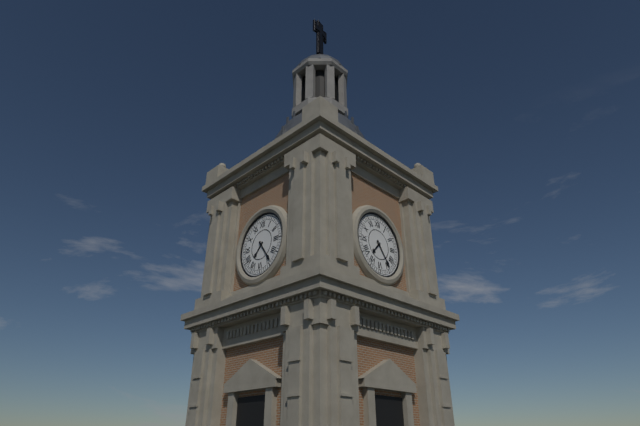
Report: 7:24
